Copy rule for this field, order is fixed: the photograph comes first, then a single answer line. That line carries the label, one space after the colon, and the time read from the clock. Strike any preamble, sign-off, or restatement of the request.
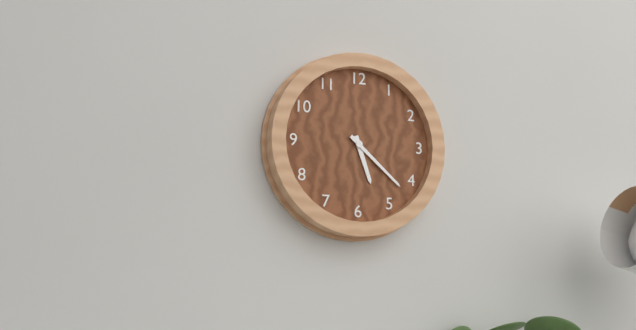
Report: 5:22
